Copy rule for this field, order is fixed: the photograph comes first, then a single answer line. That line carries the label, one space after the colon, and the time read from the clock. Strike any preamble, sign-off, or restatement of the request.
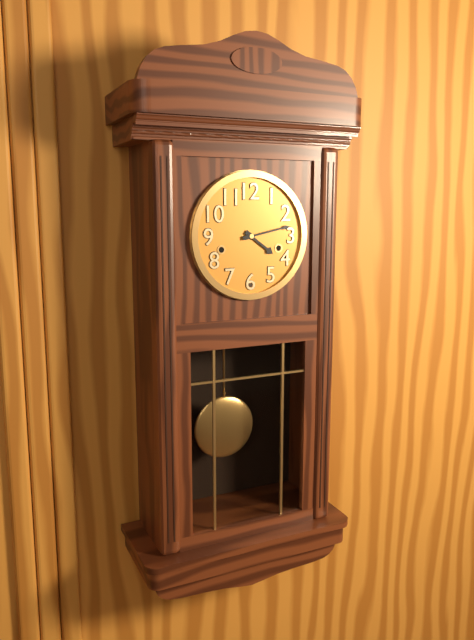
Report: 4:13
